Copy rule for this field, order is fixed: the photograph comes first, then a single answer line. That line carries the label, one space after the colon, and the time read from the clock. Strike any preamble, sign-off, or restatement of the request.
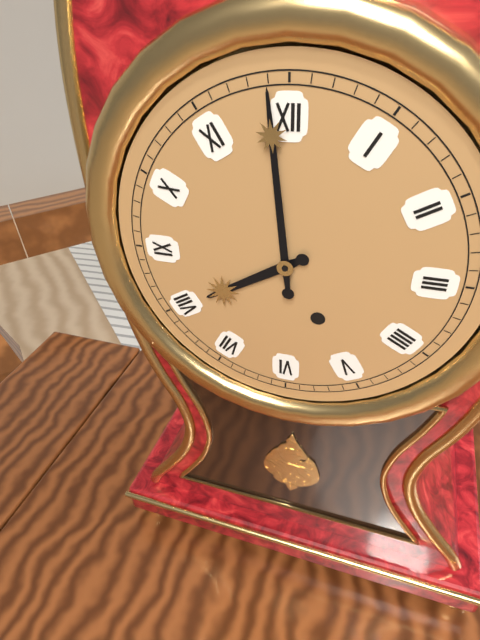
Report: 7:59
